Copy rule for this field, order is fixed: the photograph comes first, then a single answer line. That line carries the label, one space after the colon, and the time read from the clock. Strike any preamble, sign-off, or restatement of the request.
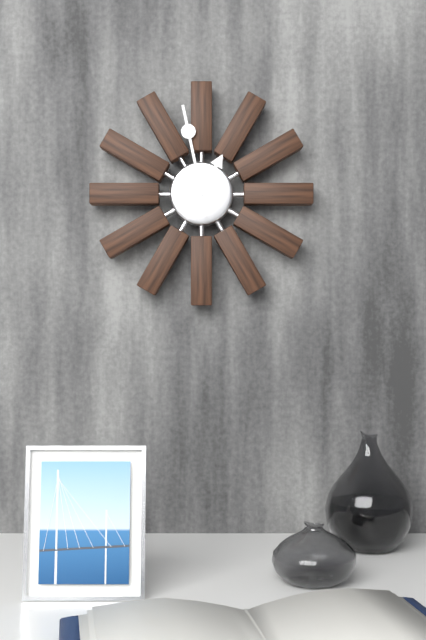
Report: 12:58
